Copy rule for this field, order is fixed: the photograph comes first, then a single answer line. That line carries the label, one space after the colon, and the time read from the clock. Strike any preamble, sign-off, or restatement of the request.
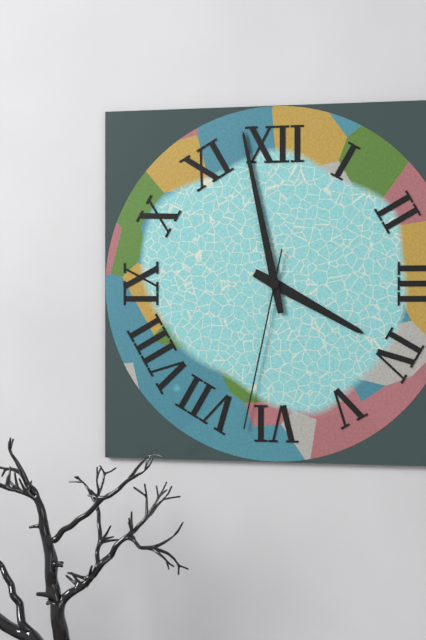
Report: 3:58:32
